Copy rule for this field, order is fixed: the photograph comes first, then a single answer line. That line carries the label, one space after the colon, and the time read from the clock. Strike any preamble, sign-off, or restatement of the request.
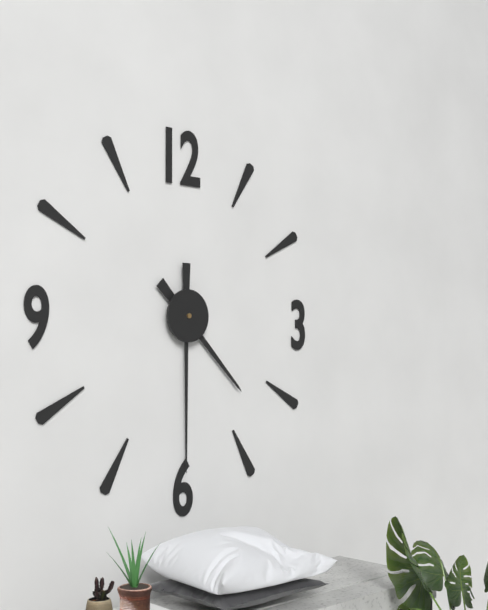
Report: 4:30
